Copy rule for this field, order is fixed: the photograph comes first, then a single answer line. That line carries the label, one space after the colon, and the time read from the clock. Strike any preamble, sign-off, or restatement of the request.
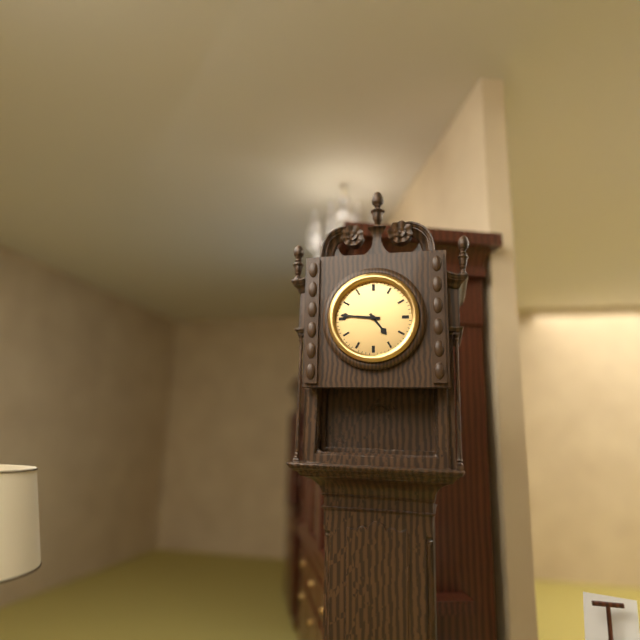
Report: 4:46
